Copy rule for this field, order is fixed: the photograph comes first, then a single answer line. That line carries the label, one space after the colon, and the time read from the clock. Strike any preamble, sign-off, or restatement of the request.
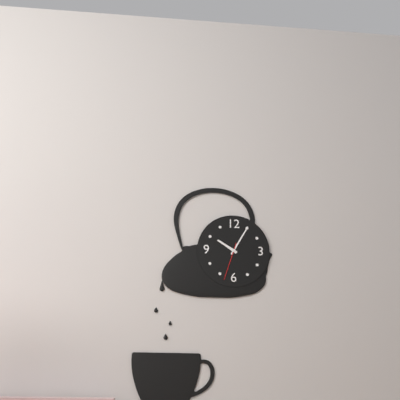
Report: 10:05
